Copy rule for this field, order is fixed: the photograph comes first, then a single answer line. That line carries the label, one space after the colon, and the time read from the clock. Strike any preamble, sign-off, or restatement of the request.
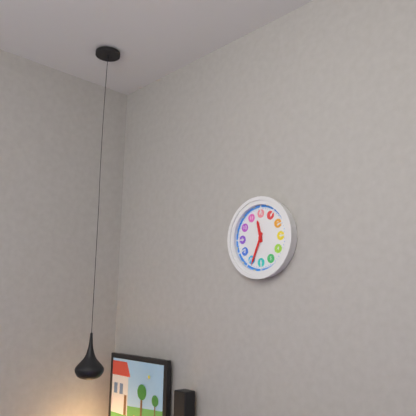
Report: 11:34
